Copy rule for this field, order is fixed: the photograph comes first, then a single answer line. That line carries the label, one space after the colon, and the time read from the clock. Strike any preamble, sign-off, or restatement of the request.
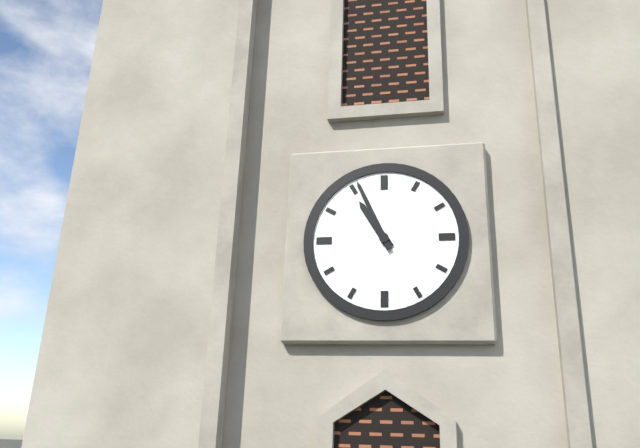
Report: 10:56
